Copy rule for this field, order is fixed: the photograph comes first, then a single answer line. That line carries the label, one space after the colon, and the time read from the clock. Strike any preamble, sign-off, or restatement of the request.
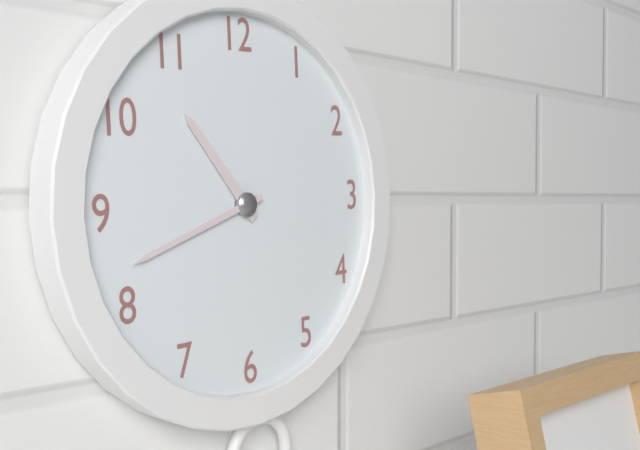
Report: 10:42
